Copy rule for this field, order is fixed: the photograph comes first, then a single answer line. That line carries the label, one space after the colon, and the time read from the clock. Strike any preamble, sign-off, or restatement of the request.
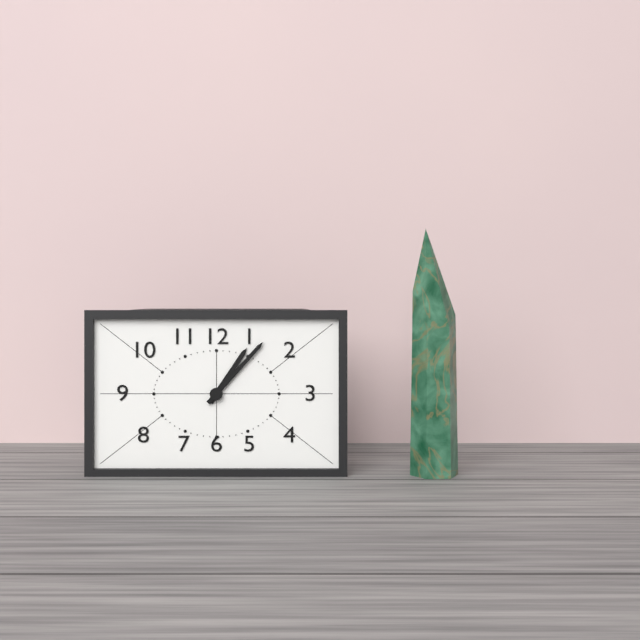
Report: 1:07
